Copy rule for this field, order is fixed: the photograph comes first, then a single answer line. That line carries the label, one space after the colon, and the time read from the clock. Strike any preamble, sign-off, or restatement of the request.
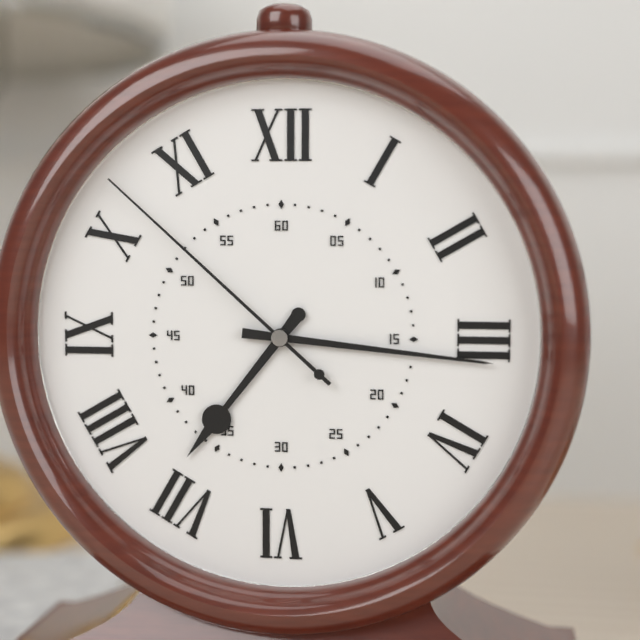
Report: 7:16:52
